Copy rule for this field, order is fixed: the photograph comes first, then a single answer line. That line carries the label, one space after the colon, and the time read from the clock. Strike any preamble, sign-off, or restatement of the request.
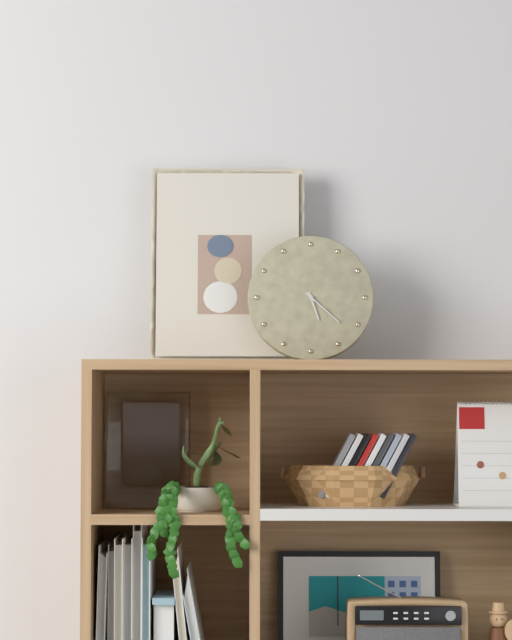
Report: 5:22
